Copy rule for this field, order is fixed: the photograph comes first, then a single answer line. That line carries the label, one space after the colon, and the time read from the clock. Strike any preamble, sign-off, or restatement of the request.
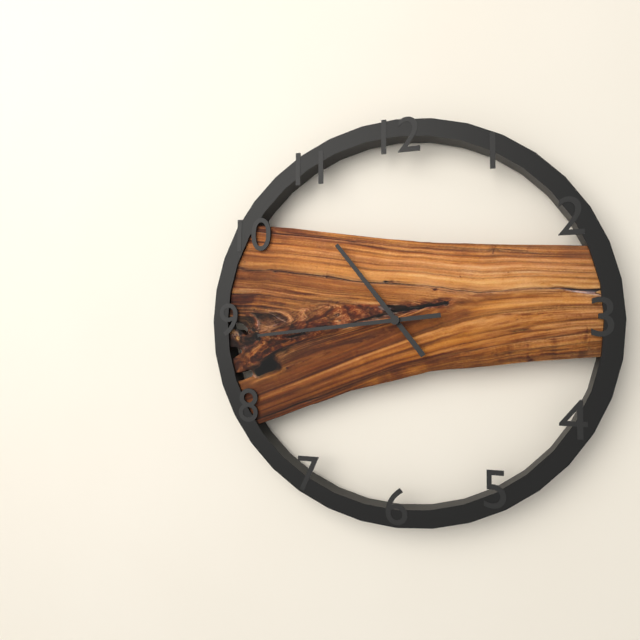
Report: 10:44
